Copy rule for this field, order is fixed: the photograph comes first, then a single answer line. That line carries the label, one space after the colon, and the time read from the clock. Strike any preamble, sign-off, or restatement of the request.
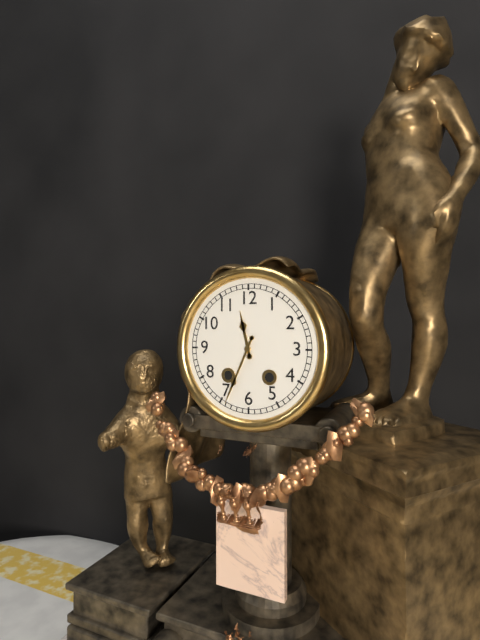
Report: 11:34
